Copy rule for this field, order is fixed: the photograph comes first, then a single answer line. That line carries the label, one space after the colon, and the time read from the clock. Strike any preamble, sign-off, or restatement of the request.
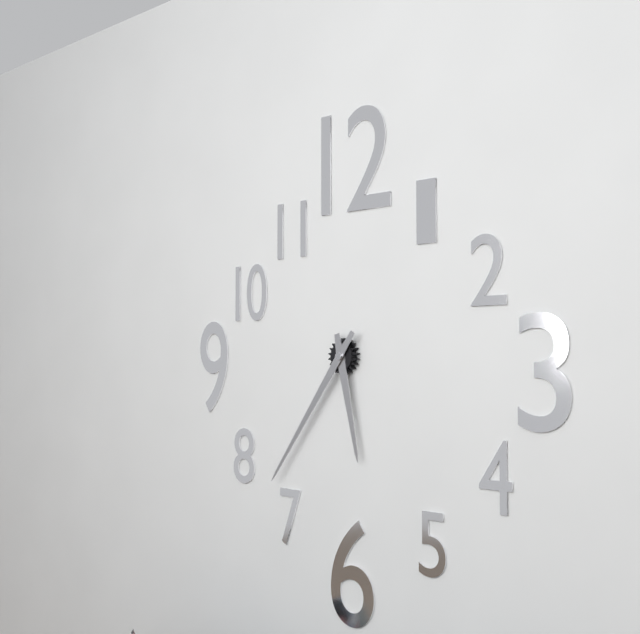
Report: 5:36
